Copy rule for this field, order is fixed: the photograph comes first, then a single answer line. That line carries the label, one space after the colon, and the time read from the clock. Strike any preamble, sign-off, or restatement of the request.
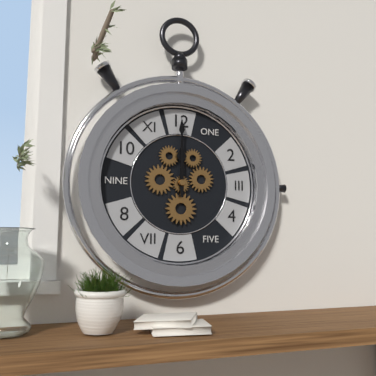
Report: 12:00
